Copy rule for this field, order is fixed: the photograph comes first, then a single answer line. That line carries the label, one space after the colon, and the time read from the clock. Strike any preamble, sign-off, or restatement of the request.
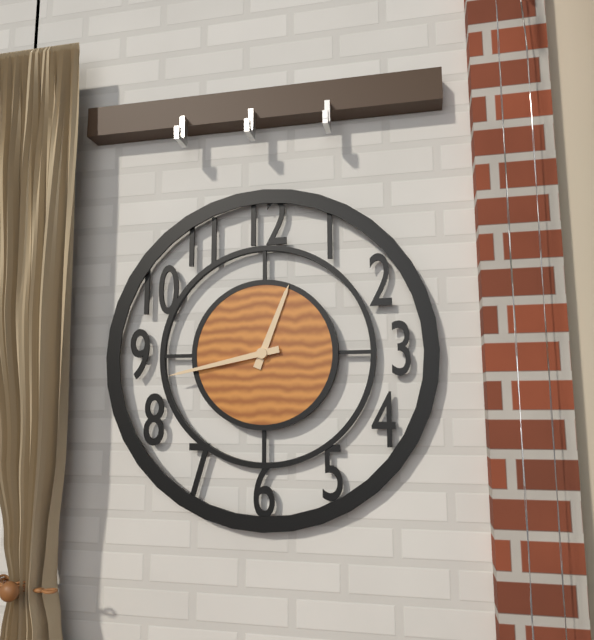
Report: 12:43
